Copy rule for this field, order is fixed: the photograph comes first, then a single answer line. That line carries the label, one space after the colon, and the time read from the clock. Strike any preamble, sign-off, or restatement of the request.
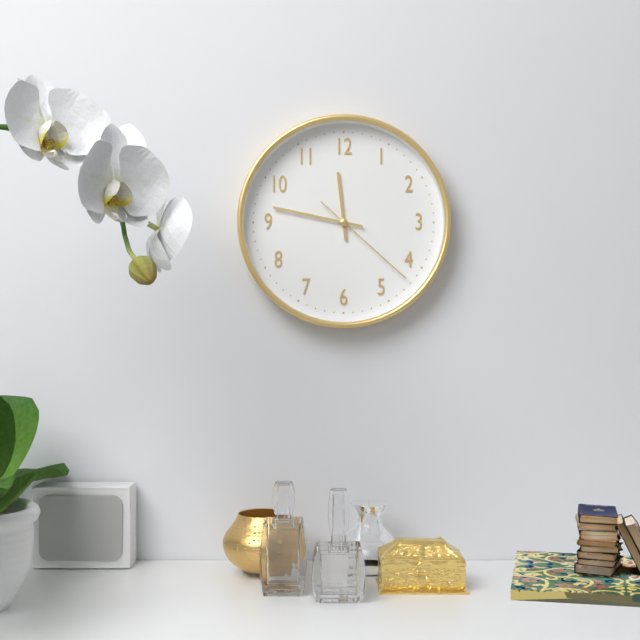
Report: 11:47:22
